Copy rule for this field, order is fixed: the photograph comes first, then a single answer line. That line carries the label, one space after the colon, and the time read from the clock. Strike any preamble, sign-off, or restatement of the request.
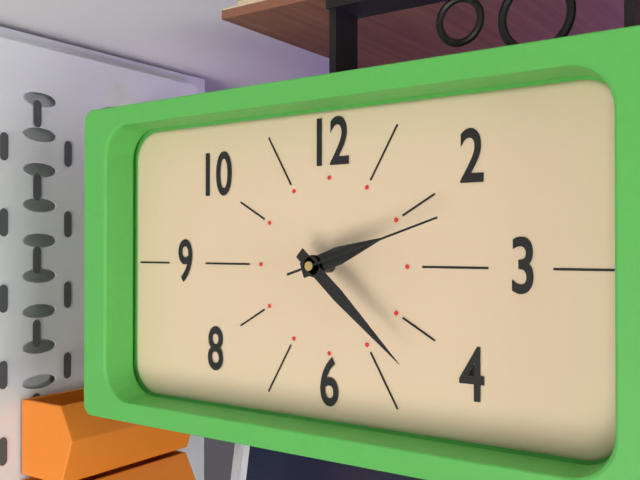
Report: 2:22:12
